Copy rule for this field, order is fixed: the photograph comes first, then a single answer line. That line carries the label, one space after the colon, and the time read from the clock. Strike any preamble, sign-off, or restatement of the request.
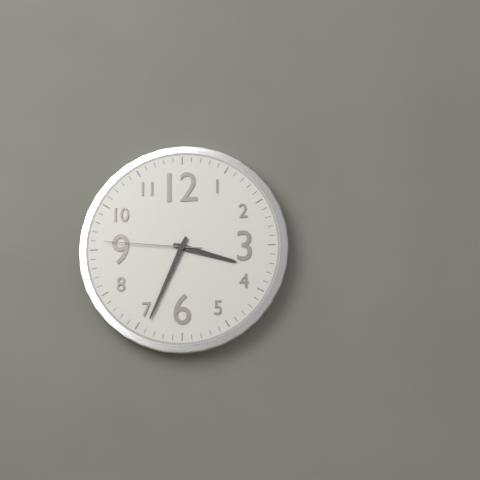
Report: 3:34:46
